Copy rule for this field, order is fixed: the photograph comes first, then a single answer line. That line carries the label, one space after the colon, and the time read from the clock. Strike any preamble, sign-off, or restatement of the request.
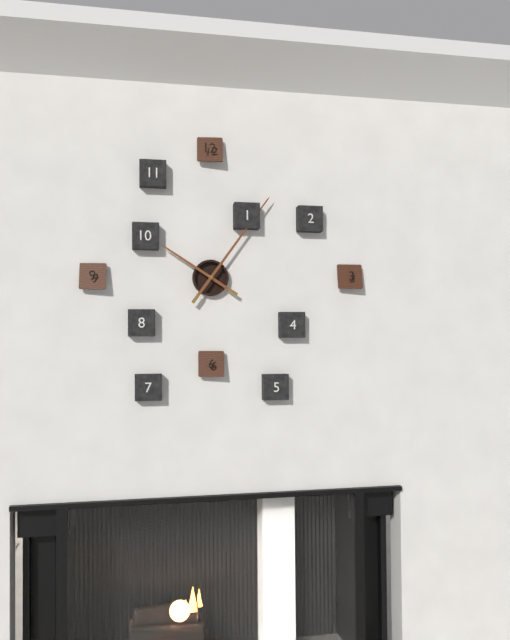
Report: 10:06
